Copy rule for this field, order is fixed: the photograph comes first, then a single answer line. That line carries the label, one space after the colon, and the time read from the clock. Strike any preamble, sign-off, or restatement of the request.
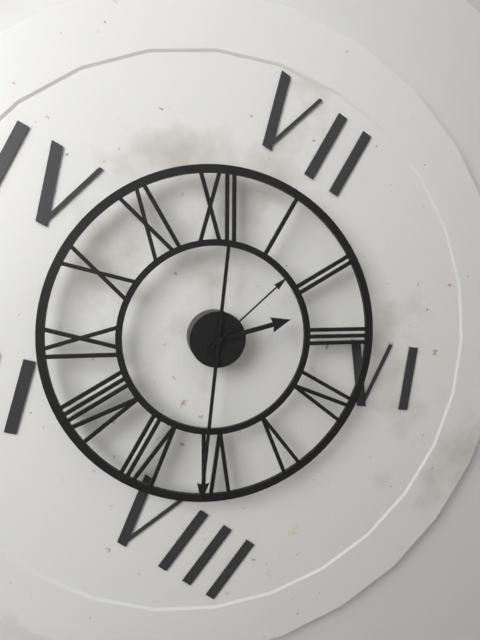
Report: 2:31:08
